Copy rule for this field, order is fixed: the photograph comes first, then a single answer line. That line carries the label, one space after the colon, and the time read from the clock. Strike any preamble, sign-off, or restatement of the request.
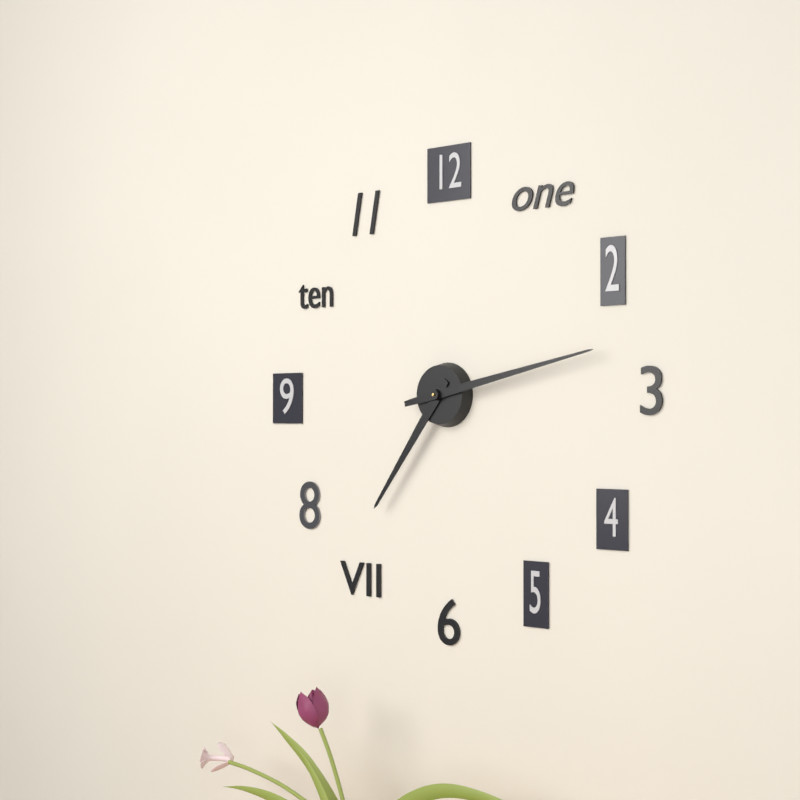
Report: 7:13
